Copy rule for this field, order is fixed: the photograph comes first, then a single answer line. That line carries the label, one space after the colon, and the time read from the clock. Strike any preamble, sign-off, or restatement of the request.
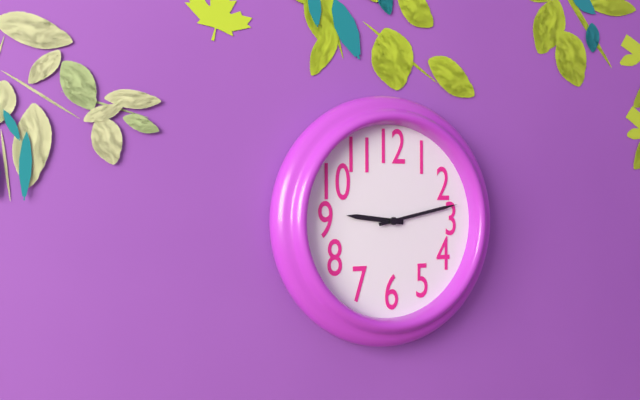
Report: 9:13
